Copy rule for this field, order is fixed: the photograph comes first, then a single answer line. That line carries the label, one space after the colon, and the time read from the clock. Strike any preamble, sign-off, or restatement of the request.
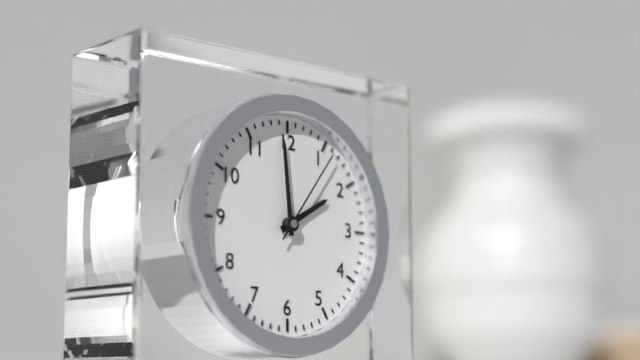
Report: 1:59:06
